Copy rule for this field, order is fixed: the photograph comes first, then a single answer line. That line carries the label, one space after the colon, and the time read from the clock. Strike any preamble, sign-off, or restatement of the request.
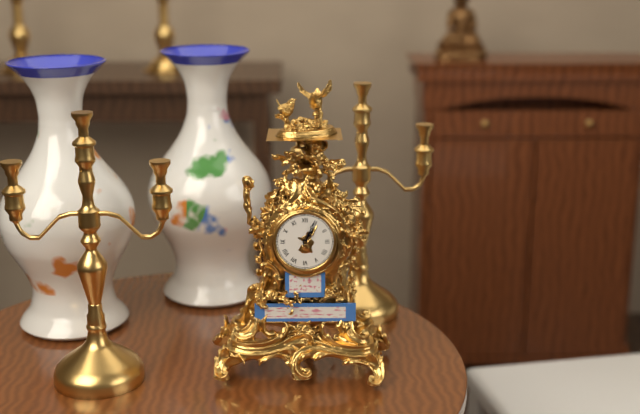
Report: 1:04
